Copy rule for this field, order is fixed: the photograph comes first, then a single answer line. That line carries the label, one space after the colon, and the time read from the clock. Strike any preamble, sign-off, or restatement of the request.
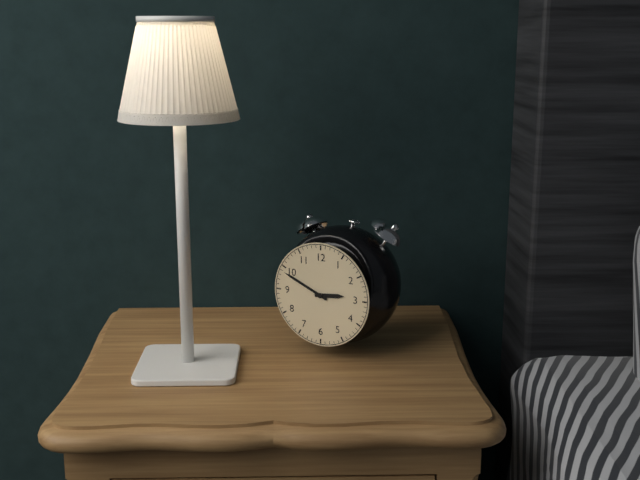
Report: 2:49
